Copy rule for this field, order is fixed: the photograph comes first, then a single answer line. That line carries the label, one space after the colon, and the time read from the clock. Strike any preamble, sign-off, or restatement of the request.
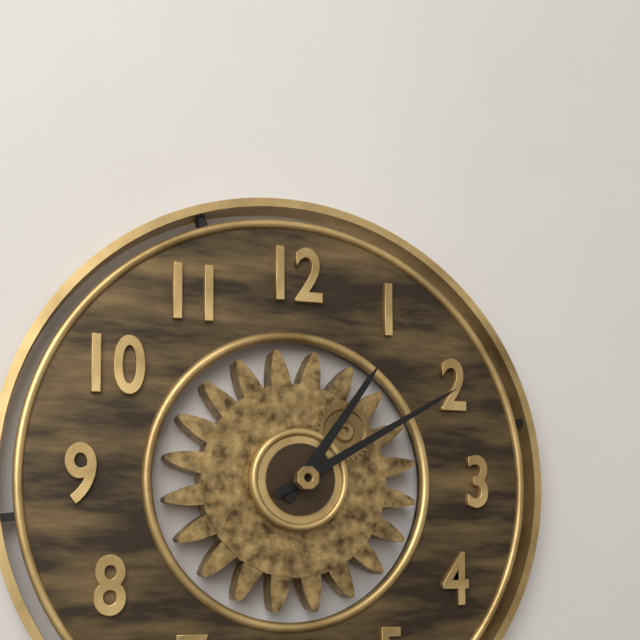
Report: 1:10
